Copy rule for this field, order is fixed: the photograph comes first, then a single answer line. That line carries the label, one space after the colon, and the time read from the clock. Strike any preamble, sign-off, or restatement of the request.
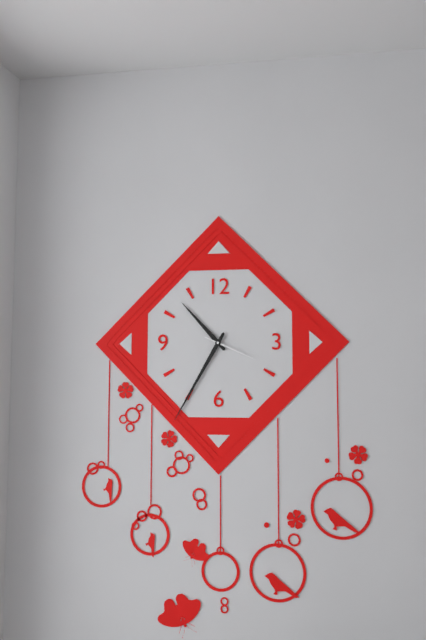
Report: 10:35:19
